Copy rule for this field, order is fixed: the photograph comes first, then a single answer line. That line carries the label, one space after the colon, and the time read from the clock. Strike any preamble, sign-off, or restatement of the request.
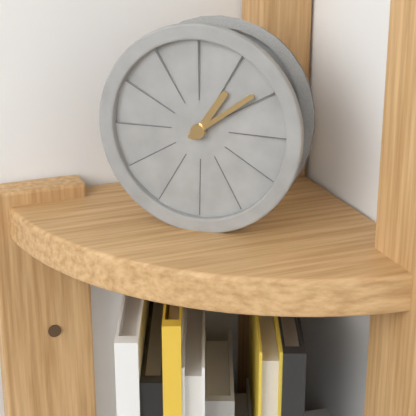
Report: 1:09
